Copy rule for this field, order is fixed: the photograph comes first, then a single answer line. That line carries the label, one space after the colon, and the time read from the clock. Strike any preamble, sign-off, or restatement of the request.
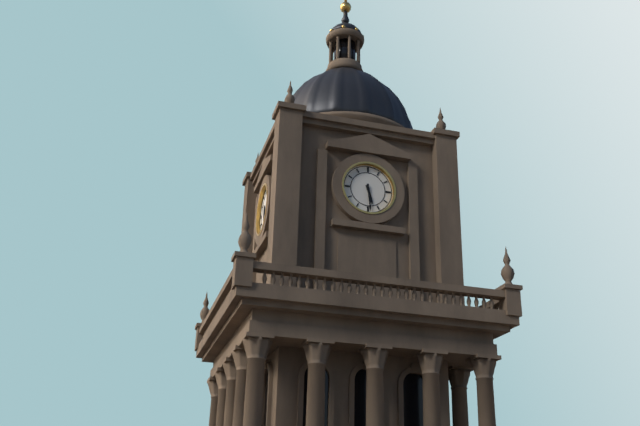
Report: 5:29
